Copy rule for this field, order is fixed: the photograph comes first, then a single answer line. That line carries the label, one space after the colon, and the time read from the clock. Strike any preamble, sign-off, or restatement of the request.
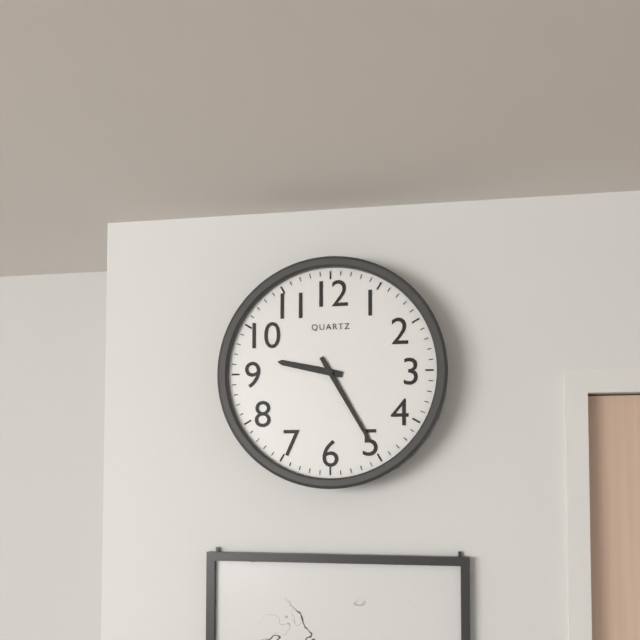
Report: 9:25
